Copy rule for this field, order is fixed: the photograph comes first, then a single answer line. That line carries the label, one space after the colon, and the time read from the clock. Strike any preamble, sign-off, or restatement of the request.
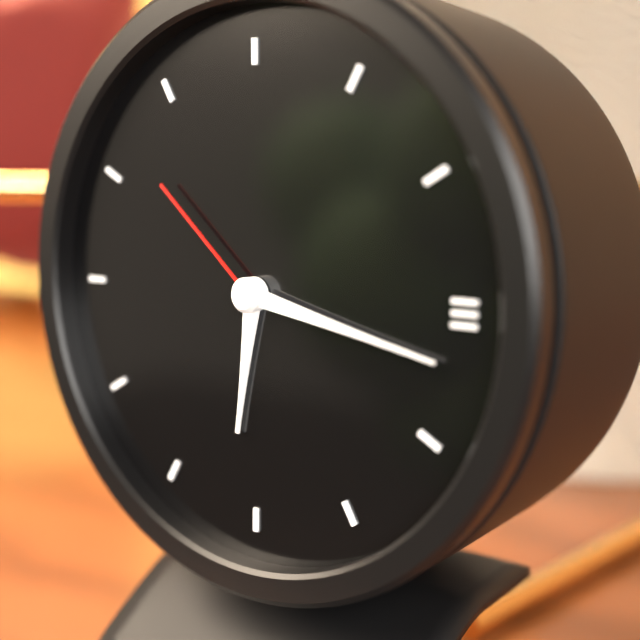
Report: 6:17:52
